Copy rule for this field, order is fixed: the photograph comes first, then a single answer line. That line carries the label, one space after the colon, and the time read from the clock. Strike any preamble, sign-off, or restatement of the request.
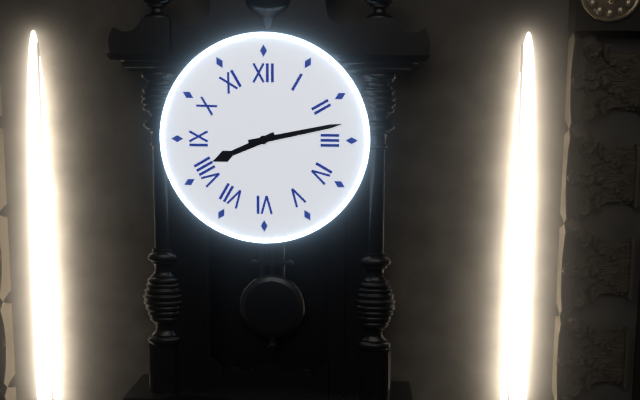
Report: 8:13
